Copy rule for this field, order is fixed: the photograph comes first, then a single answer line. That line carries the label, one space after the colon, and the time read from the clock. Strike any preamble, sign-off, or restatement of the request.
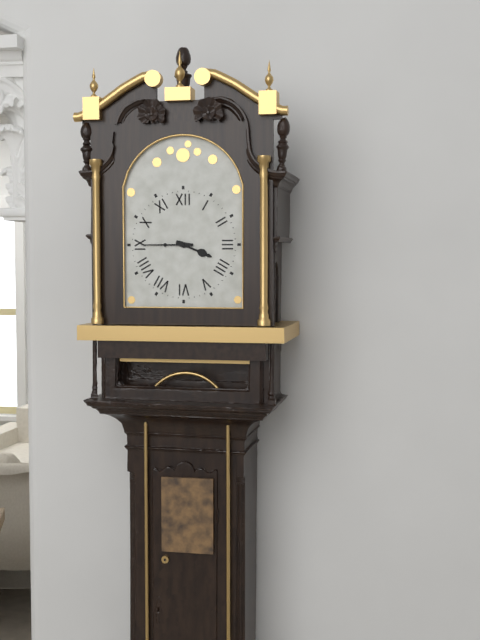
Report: 3:45
